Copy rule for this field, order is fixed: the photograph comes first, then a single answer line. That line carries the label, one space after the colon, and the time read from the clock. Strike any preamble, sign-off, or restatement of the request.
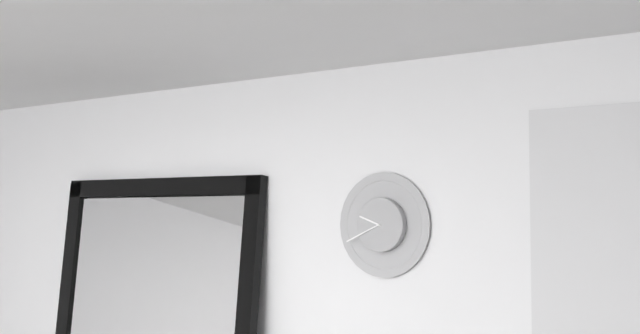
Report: 9:41
